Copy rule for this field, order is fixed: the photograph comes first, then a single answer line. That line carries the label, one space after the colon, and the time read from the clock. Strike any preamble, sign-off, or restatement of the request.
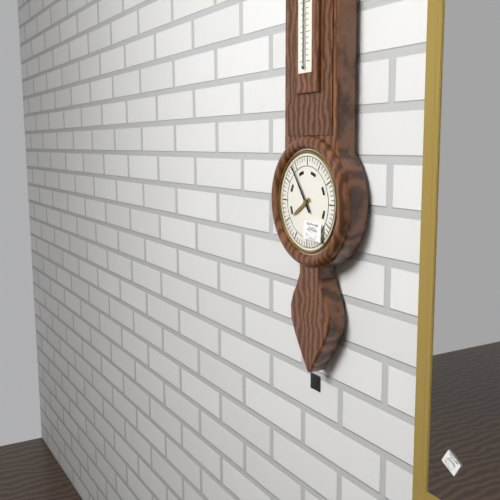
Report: 7:54
